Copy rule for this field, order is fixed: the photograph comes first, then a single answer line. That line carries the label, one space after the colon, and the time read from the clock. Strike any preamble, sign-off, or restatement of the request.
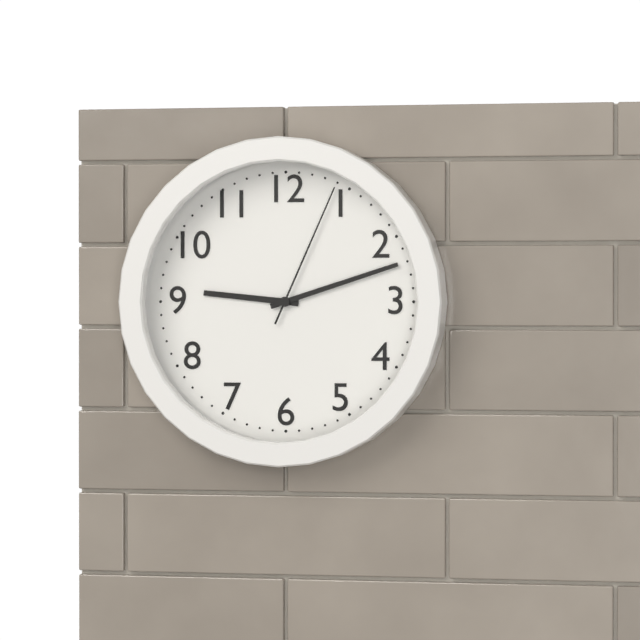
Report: 9:12:04
